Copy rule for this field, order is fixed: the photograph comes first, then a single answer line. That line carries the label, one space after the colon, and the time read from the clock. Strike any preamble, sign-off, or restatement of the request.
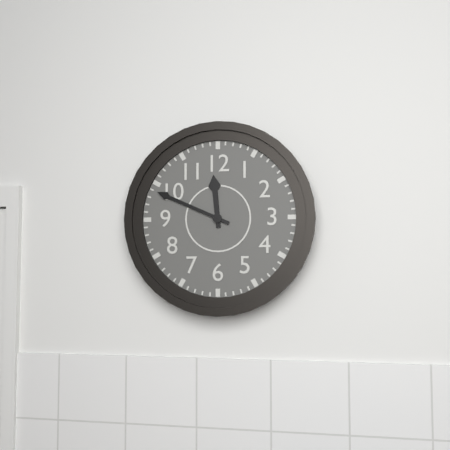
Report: 11:49
